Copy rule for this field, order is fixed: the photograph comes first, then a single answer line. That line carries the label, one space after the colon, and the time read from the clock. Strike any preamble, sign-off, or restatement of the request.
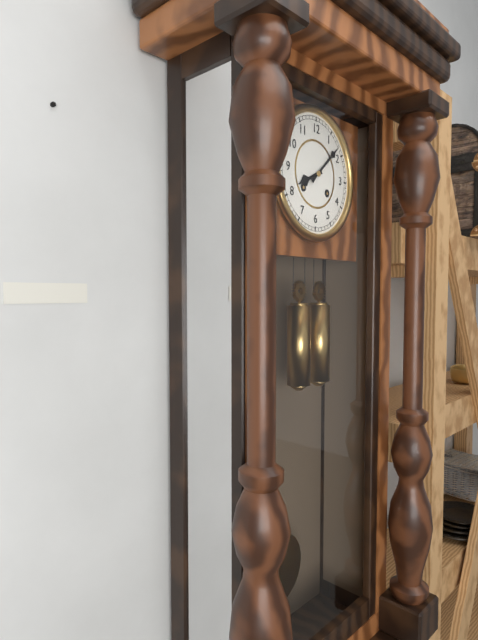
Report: 8:08
